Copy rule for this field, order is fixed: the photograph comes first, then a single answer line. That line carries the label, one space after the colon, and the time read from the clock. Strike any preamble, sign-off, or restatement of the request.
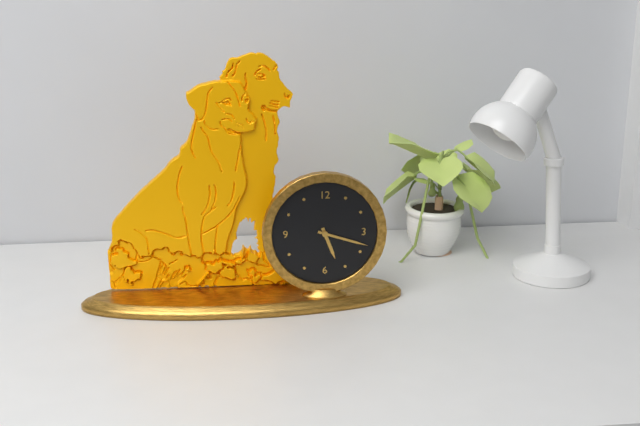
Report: 5:18
